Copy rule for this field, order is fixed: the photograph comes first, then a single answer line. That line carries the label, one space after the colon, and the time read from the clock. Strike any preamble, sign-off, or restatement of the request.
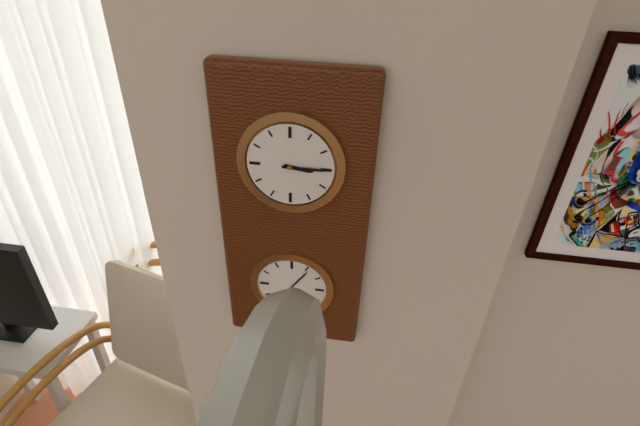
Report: 3:15
